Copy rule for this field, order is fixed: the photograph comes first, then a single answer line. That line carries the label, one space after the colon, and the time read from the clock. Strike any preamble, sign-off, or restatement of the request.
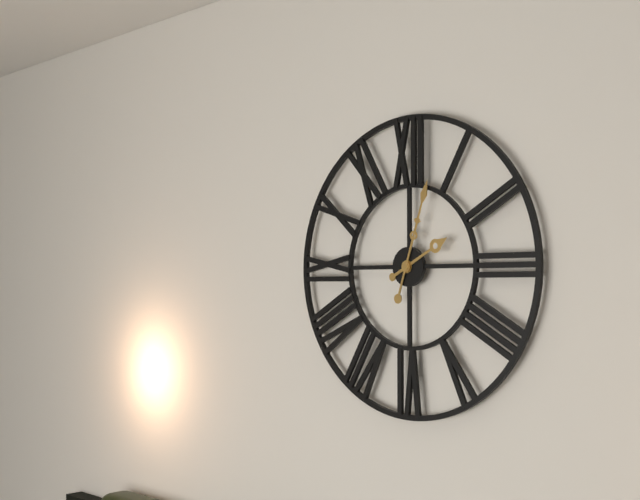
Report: 2:03
